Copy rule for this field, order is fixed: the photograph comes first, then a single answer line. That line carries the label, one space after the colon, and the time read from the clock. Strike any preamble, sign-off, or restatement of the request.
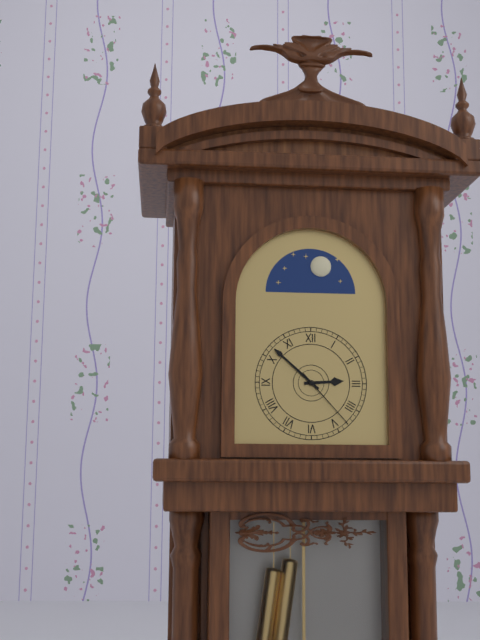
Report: 2:52:23
